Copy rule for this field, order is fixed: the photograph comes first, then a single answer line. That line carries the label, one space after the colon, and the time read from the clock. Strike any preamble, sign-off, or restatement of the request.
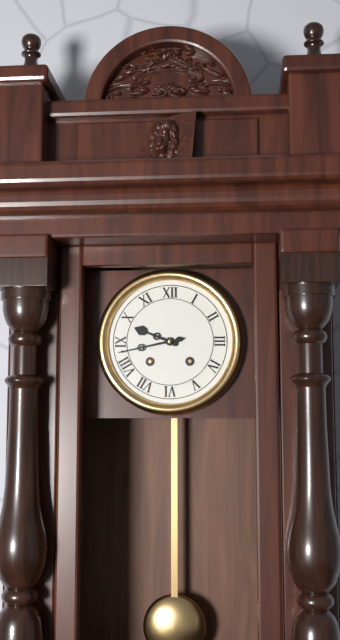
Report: 9:43
